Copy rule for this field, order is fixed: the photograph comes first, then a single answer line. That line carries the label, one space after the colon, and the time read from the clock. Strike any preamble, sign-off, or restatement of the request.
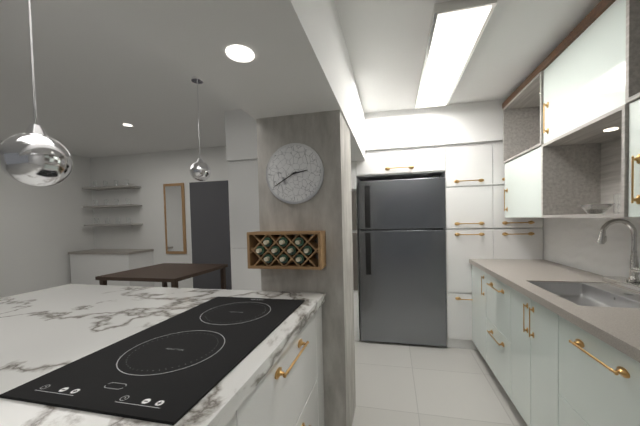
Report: 2:40
